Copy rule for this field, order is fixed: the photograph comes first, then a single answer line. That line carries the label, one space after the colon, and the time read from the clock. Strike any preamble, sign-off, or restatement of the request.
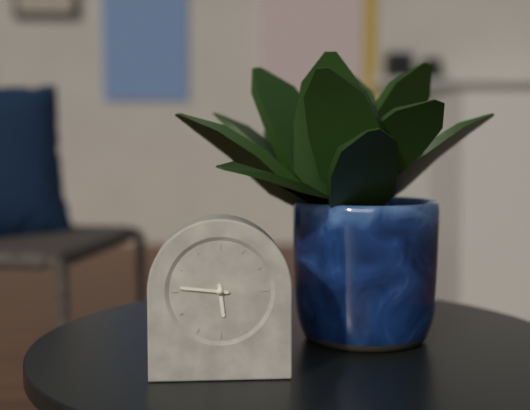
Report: 5:46
